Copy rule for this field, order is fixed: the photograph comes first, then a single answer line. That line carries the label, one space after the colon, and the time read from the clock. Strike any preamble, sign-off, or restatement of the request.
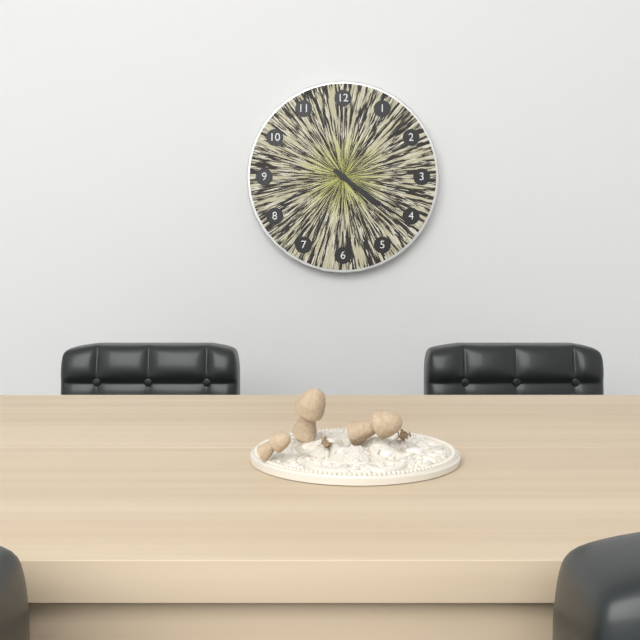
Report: 4:21
